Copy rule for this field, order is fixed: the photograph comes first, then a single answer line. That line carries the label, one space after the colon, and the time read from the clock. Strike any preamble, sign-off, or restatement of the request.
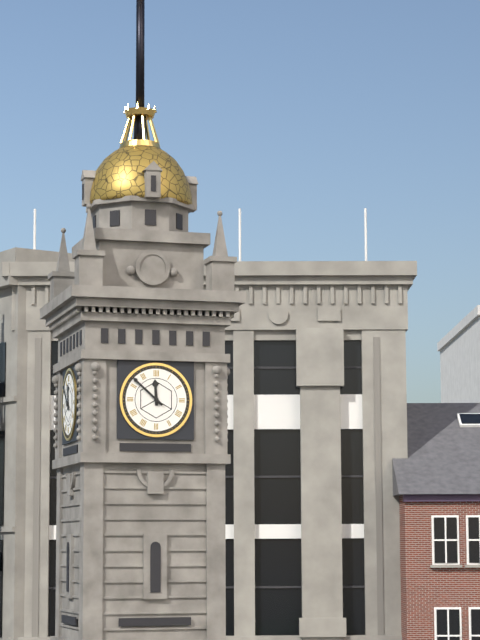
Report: 11:52
